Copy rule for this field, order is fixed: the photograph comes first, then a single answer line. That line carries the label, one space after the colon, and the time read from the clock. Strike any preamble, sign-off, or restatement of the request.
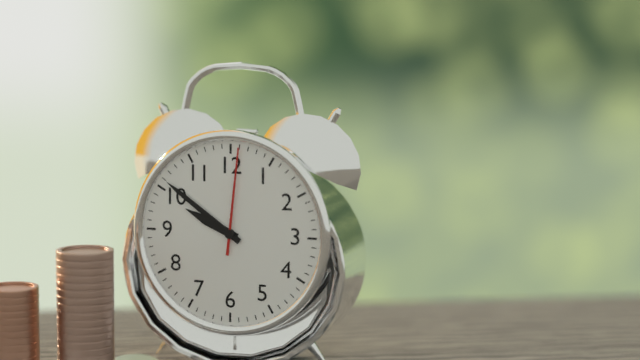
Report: 9:51:01
